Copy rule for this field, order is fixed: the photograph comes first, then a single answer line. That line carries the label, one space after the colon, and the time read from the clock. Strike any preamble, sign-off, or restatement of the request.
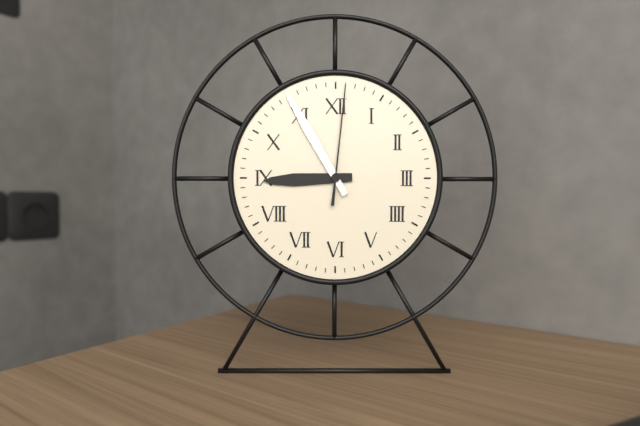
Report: 8:55:01
